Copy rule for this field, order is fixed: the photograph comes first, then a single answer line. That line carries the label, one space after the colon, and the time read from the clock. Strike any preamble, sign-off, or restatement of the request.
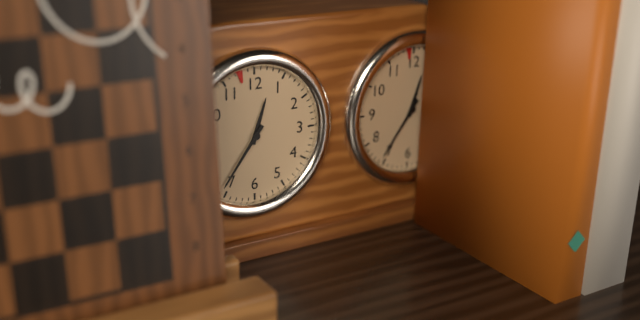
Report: 12:36
